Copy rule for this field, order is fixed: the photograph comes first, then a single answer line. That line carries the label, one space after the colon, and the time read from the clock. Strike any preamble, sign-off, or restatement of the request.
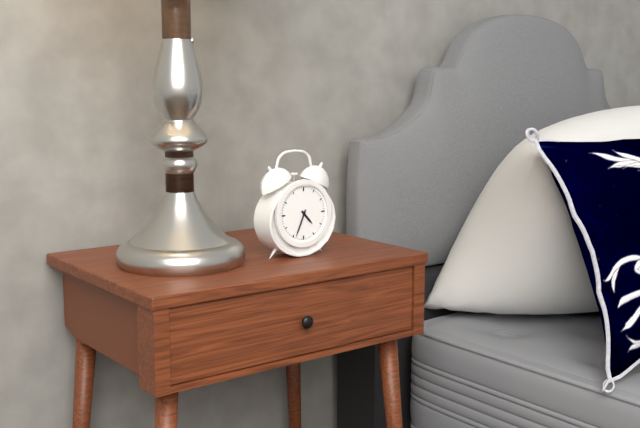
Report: 4:34
